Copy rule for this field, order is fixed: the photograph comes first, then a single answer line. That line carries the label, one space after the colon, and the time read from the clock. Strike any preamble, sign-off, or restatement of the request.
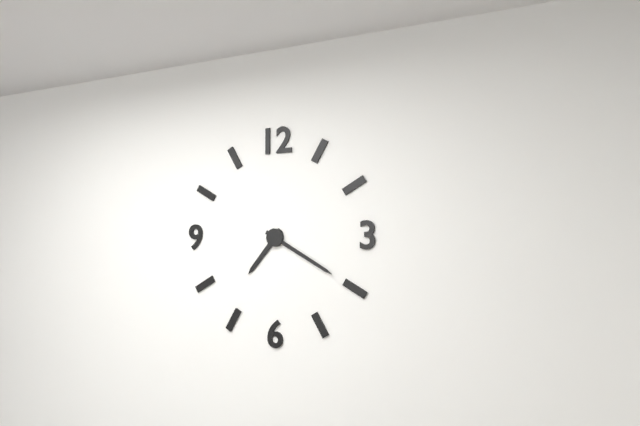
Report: 7:20
